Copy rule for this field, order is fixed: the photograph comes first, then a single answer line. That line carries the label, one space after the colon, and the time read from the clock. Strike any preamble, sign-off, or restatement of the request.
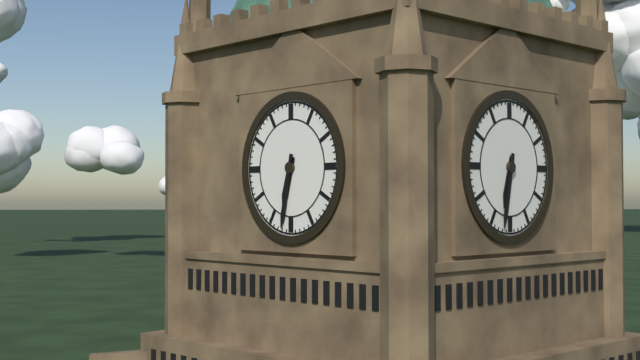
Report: 6:32
